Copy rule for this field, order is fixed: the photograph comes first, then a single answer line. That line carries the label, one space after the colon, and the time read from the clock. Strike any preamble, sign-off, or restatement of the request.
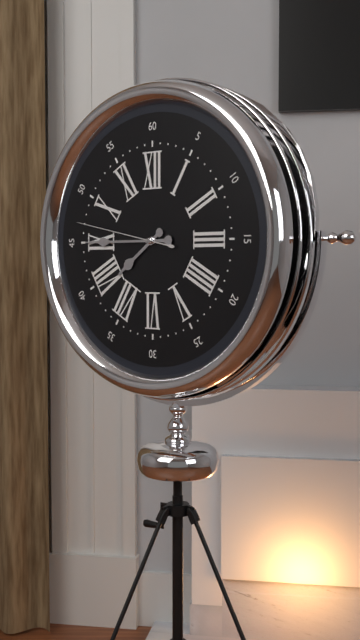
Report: 7:45:47
